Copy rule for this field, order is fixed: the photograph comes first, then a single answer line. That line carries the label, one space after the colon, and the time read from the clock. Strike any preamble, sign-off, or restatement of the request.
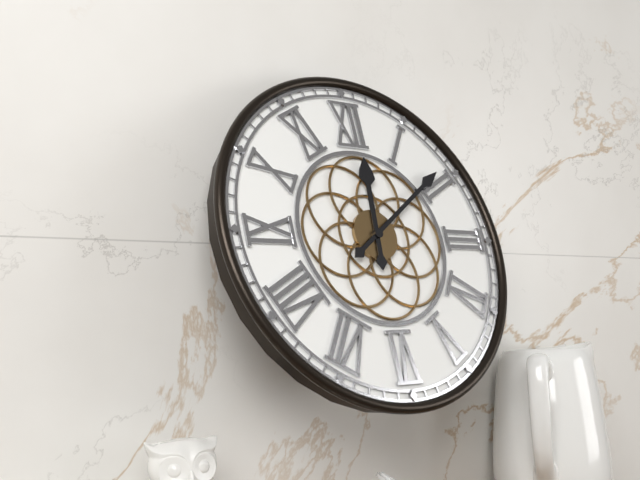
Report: 12:09
